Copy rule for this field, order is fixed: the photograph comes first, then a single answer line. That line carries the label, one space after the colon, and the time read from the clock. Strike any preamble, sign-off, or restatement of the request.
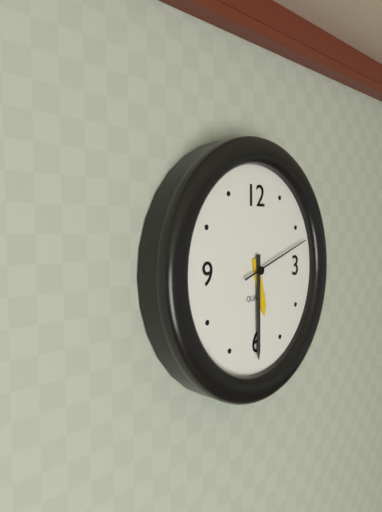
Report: 5:30:12
